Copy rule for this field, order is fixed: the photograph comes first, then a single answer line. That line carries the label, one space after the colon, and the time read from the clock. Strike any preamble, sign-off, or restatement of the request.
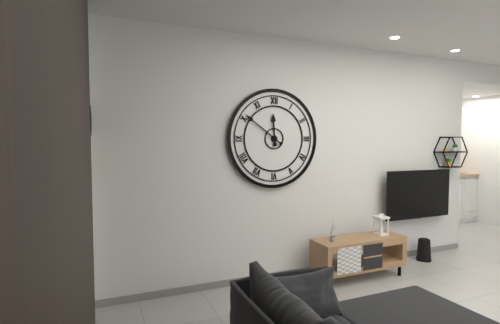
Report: 11:51
